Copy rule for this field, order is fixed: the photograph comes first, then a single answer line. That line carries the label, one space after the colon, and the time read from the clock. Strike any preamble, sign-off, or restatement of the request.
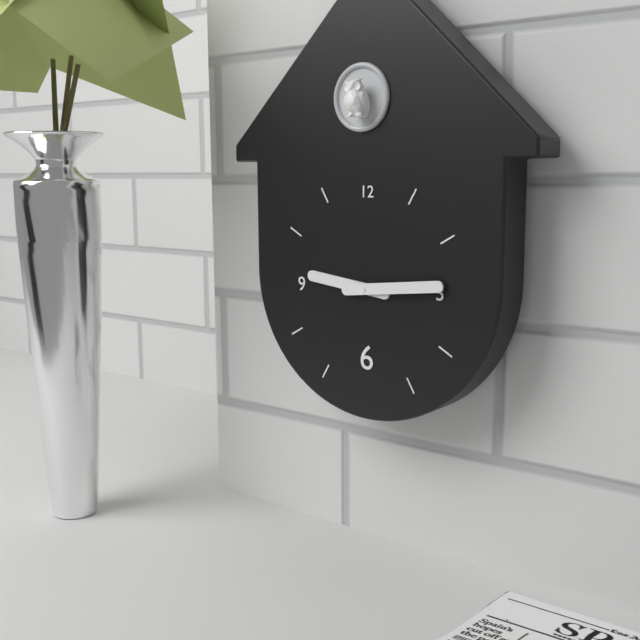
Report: 9:14
